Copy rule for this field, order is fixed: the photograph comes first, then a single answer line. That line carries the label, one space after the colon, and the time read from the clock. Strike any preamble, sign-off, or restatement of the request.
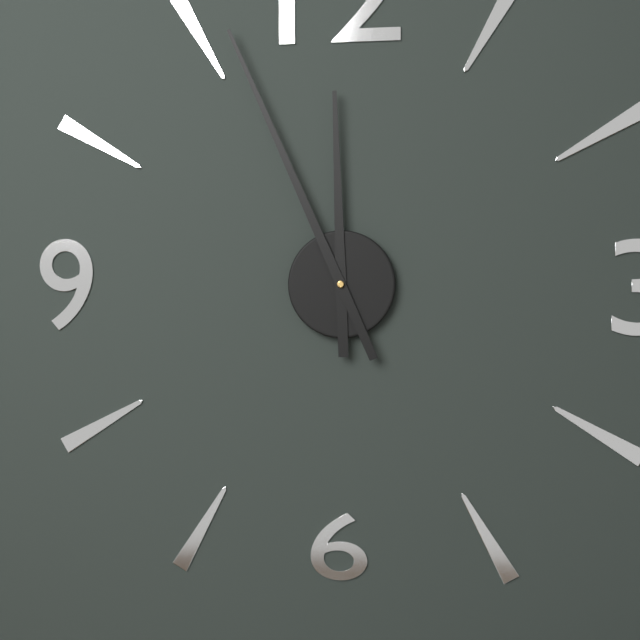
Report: 11:56
